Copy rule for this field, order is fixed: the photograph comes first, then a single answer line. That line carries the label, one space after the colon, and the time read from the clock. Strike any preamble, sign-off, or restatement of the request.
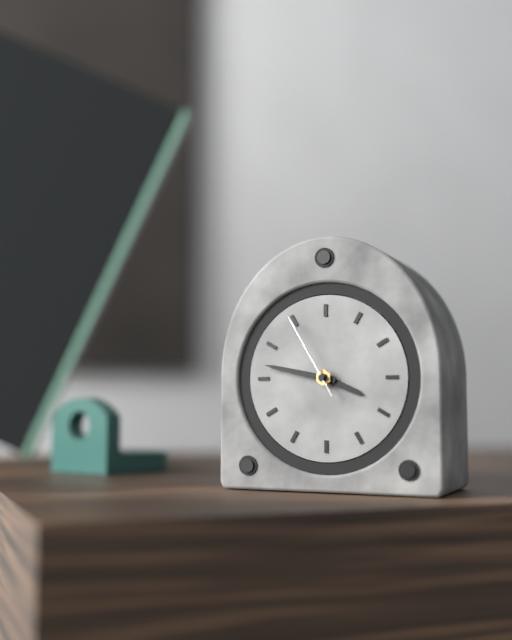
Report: 3:47:55
